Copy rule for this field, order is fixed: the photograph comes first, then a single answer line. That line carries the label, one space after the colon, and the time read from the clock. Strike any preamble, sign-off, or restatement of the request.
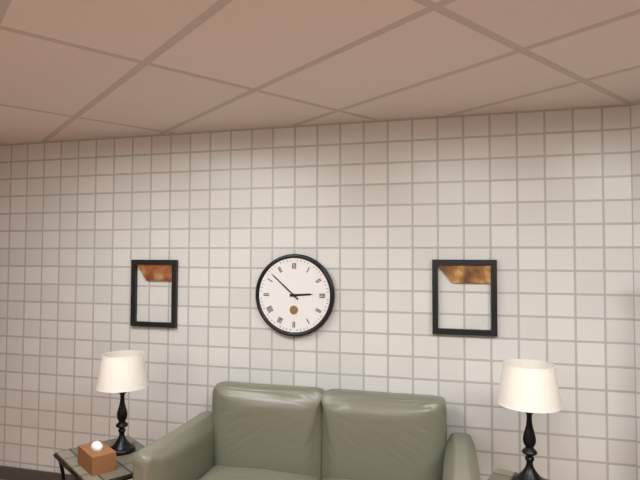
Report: 2:52
